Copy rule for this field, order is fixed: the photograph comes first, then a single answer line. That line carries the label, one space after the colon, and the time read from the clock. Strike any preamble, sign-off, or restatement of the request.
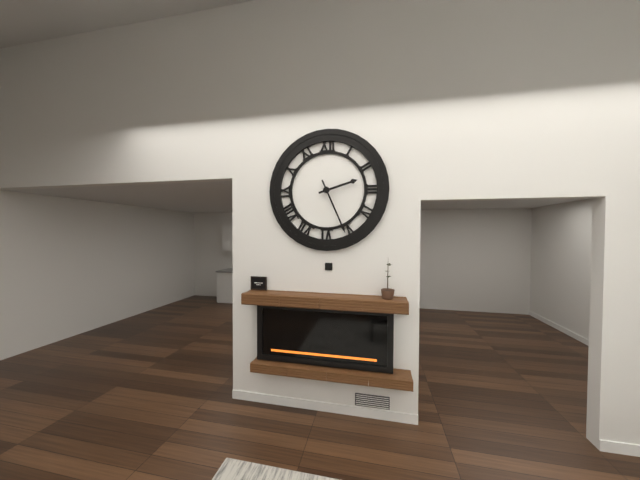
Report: 2:26
